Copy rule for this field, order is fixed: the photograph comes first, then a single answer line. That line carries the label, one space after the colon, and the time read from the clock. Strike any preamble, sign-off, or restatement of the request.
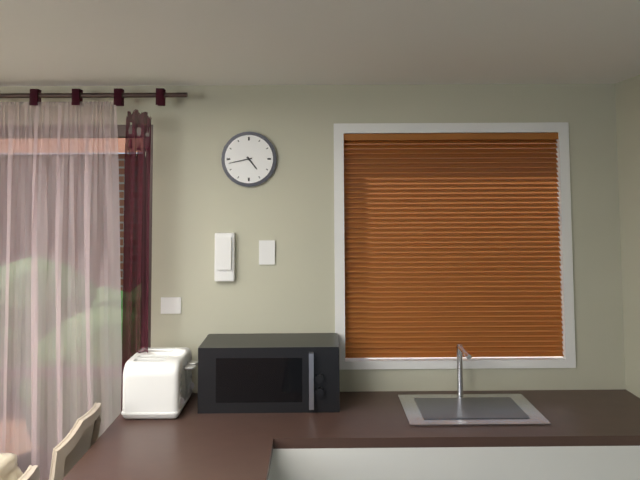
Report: 4:43
